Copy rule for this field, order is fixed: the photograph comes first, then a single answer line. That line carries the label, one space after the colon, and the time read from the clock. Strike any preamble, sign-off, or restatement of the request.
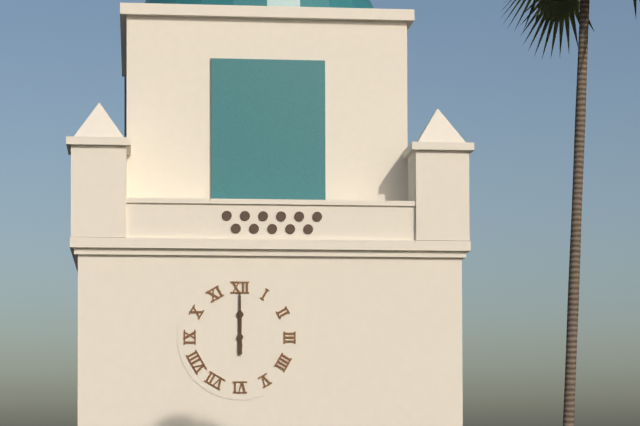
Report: 12:00
